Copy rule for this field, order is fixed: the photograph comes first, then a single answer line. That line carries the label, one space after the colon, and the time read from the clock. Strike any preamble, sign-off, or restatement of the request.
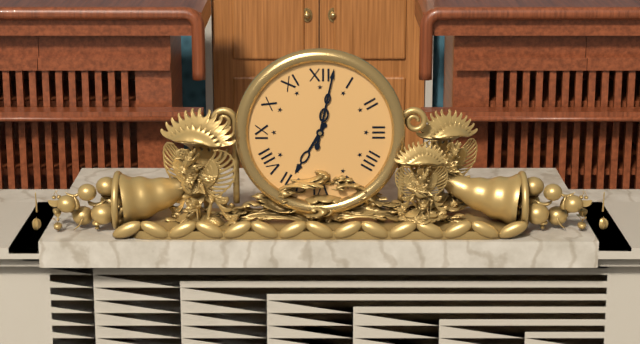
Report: 7:02
